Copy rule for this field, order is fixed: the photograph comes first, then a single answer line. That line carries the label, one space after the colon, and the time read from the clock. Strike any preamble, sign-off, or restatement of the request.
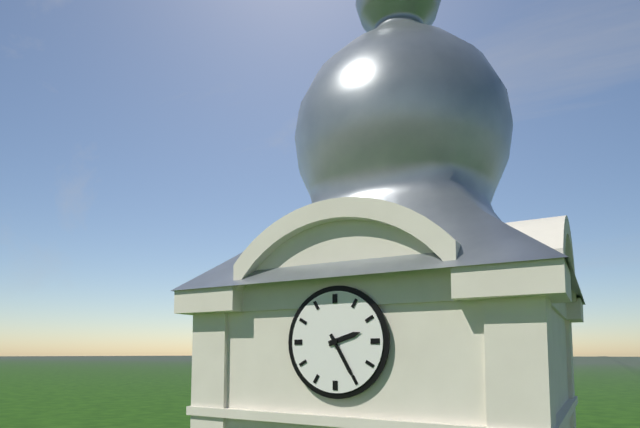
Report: 2:25
